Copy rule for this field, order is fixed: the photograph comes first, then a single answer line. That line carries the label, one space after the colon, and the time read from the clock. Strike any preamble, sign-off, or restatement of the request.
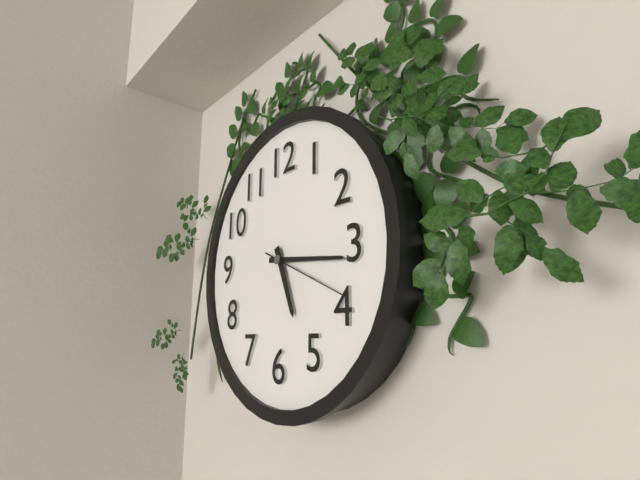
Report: 5:16:19
